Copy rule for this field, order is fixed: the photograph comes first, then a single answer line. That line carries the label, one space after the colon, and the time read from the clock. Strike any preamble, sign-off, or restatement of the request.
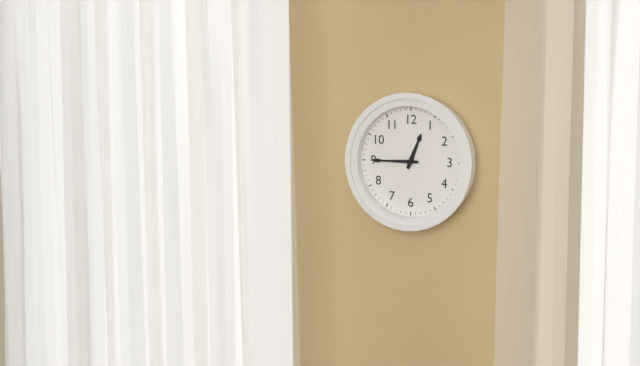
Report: 12:45
